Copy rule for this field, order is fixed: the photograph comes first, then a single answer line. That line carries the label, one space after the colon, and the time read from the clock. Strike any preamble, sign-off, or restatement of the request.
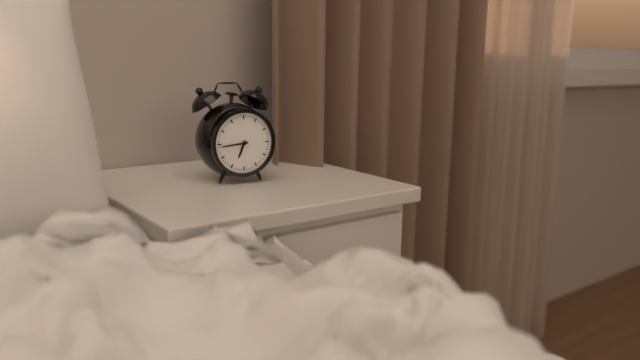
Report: 6:44
